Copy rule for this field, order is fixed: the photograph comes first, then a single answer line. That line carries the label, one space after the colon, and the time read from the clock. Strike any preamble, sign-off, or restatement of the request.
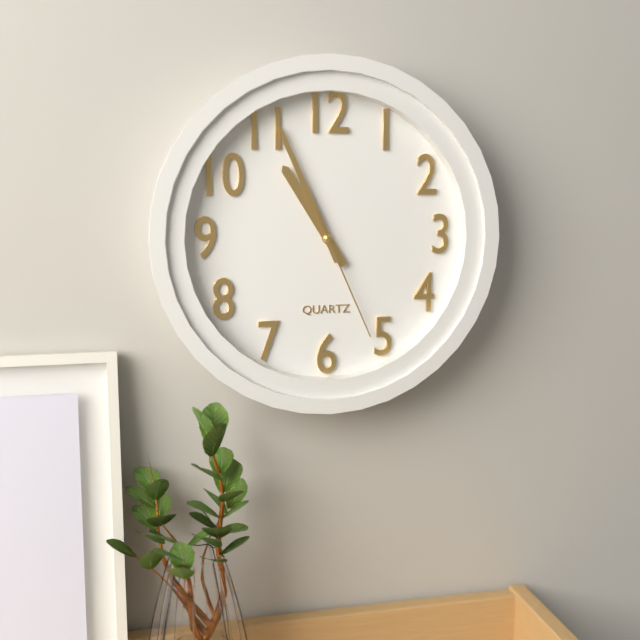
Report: 10:56:26
